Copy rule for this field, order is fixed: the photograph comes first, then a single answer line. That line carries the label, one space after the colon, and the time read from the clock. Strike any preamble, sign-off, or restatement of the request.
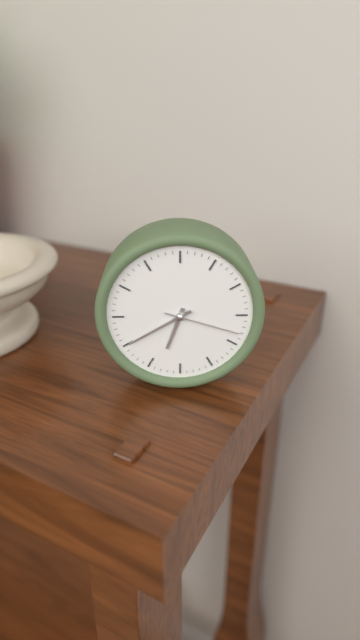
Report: 6:40:18
